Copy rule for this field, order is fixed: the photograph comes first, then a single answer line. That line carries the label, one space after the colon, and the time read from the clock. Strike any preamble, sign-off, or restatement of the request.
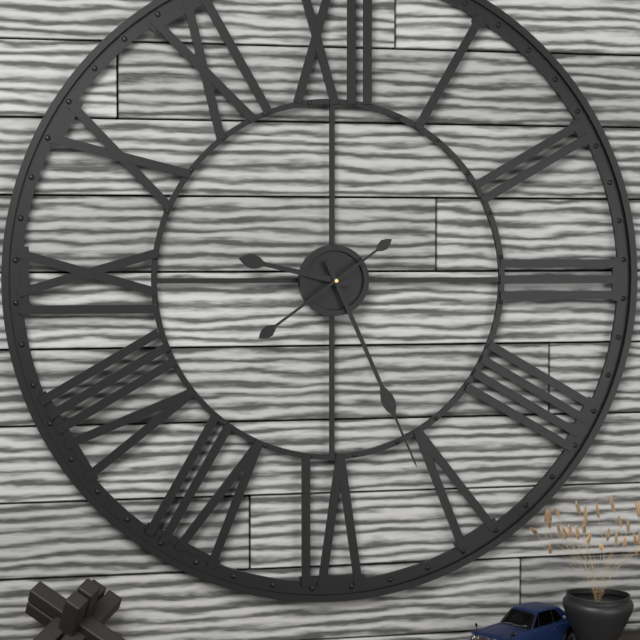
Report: 9:26:39
